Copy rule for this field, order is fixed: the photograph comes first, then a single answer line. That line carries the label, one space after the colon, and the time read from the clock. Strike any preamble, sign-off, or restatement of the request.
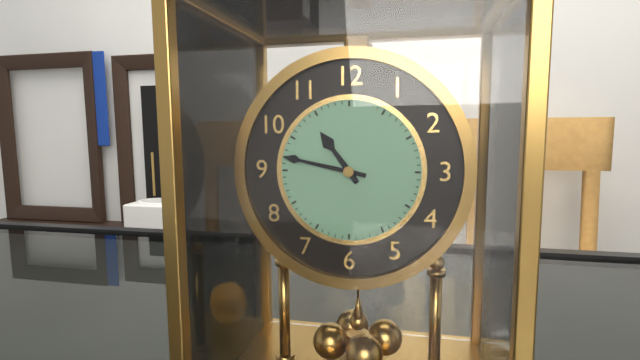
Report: 10:47
